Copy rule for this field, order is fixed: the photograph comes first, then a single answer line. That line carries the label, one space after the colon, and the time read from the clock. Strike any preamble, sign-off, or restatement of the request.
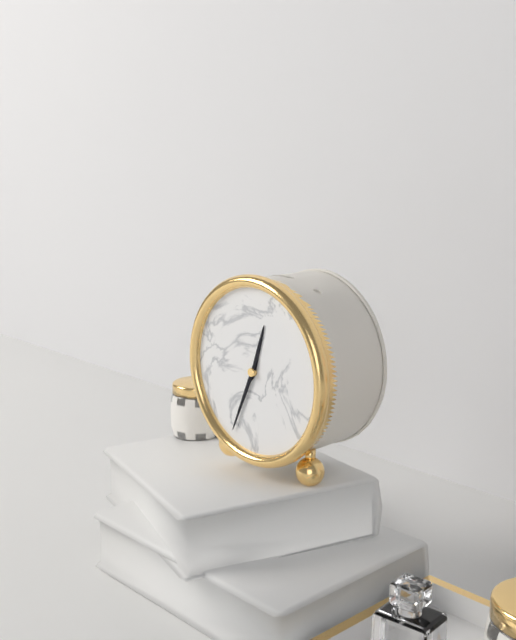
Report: 12:34
